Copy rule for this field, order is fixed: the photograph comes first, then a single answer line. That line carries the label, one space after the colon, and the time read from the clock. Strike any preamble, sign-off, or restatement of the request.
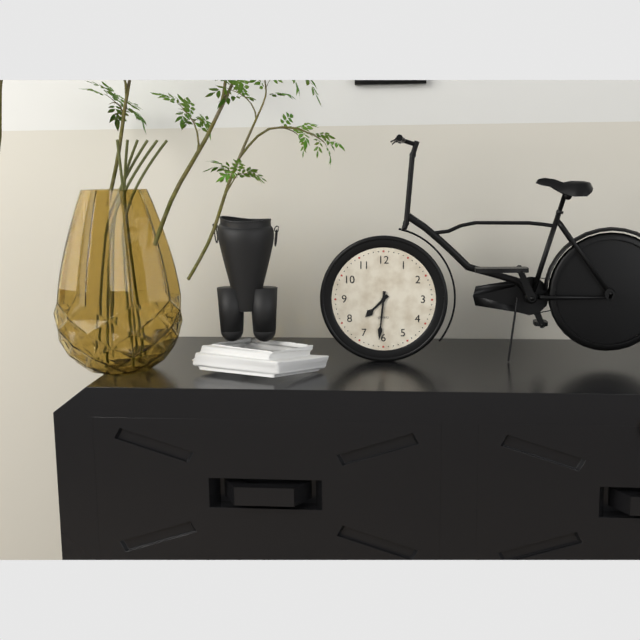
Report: 7:31
